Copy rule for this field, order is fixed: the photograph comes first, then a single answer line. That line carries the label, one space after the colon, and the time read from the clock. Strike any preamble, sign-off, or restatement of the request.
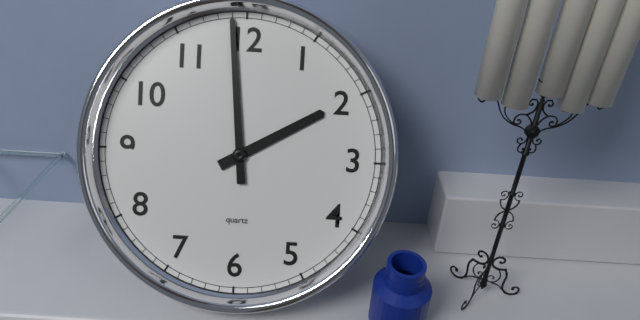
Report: 1:59
